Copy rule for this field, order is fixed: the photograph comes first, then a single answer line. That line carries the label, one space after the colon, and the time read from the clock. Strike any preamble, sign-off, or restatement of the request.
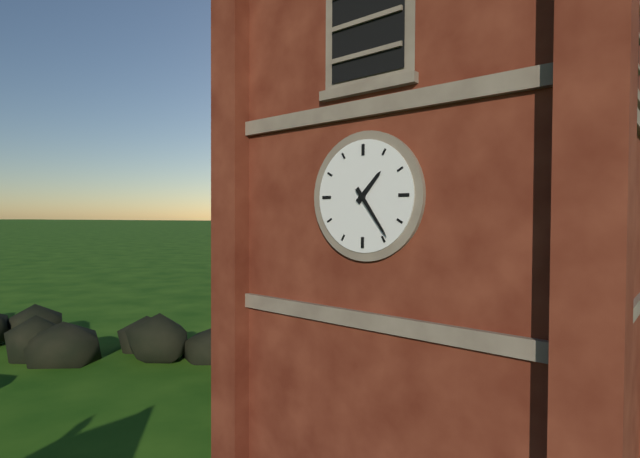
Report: 1:24
